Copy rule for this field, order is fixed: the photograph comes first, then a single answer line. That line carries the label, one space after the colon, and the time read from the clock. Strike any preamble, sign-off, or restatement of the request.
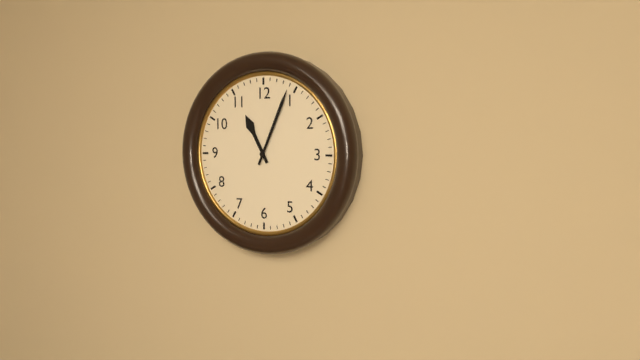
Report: 11:04
